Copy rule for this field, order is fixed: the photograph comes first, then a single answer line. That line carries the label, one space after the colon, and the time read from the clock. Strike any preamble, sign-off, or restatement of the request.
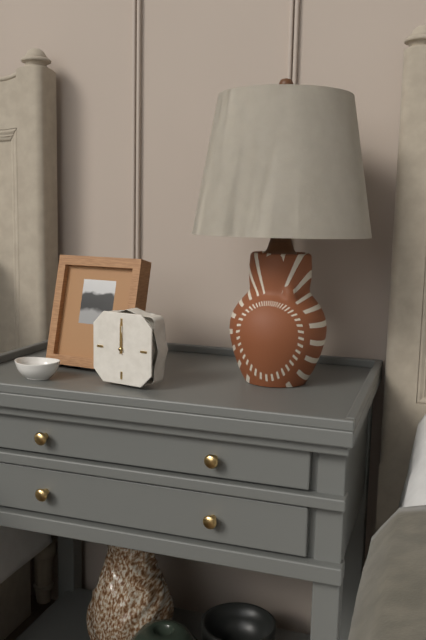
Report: 12:00
